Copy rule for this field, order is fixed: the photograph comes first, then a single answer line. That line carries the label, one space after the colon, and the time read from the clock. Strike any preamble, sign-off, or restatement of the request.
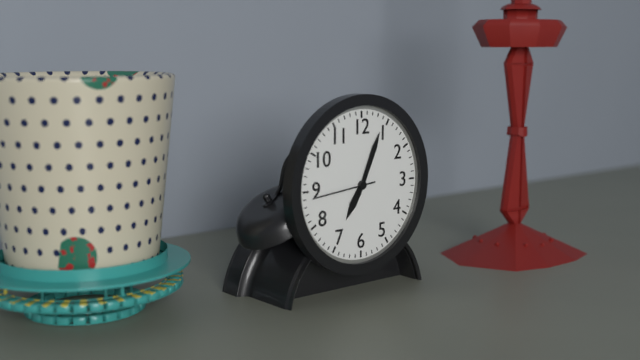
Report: 7:04
